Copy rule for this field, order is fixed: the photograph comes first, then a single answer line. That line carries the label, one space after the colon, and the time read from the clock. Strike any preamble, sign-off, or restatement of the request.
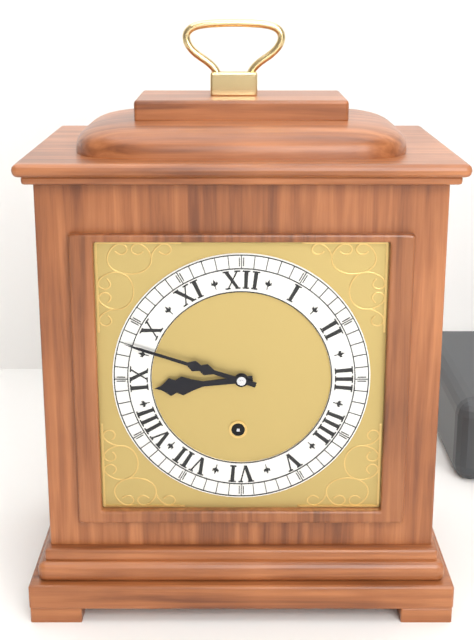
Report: 8:48
